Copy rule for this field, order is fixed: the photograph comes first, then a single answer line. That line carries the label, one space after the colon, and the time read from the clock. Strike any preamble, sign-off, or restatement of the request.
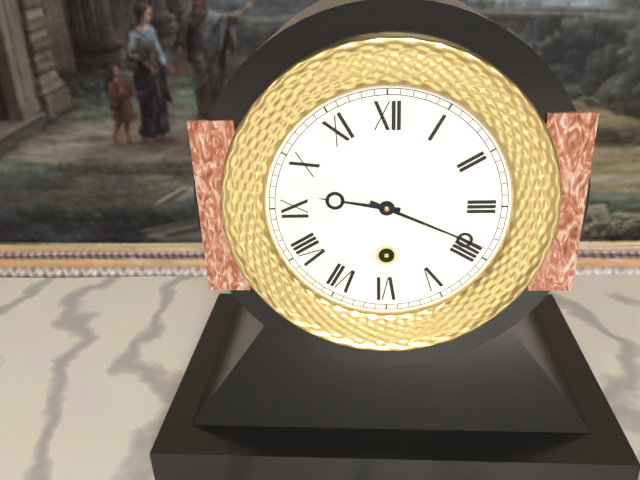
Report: 9:19
